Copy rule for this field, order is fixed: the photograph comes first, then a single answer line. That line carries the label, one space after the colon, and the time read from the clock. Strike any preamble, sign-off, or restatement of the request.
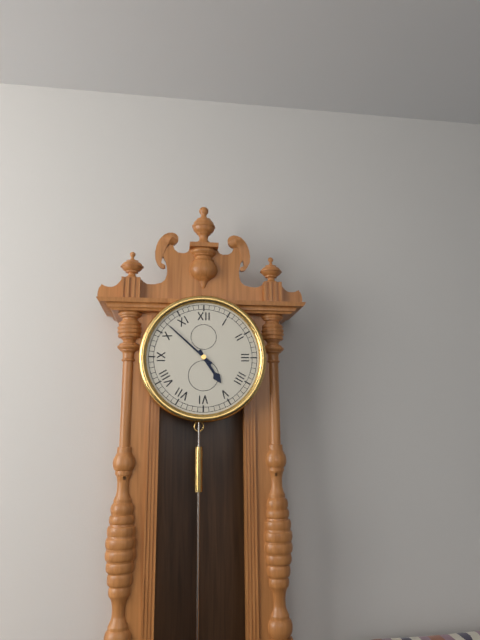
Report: 4:52
